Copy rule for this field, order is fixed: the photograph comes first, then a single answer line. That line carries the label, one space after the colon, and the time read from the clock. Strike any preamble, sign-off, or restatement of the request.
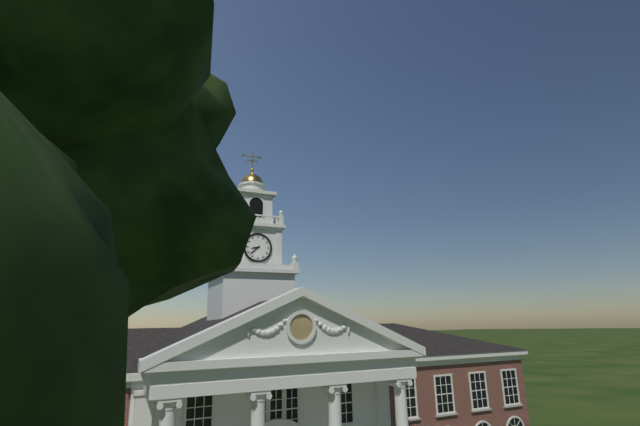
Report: 8:38
